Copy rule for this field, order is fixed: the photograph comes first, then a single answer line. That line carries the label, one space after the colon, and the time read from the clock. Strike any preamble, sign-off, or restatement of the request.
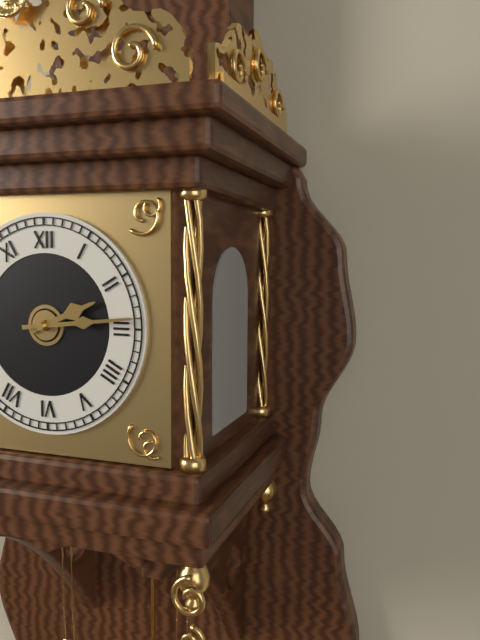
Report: 2:14
